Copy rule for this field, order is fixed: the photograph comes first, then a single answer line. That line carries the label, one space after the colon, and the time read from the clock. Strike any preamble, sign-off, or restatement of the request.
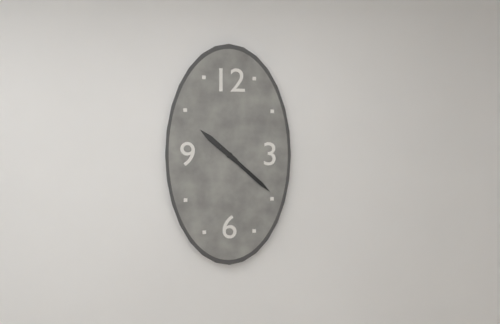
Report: 10:22
